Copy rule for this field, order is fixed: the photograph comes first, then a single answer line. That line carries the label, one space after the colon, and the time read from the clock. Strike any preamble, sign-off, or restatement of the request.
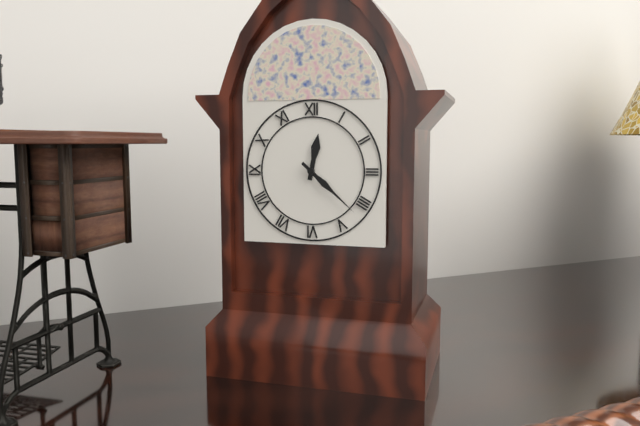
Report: 12:22
